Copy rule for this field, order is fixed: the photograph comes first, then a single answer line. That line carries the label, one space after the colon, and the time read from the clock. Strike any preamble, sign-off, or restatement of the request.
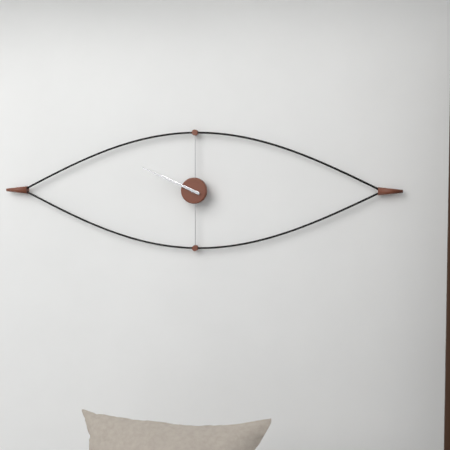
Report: 9:49
